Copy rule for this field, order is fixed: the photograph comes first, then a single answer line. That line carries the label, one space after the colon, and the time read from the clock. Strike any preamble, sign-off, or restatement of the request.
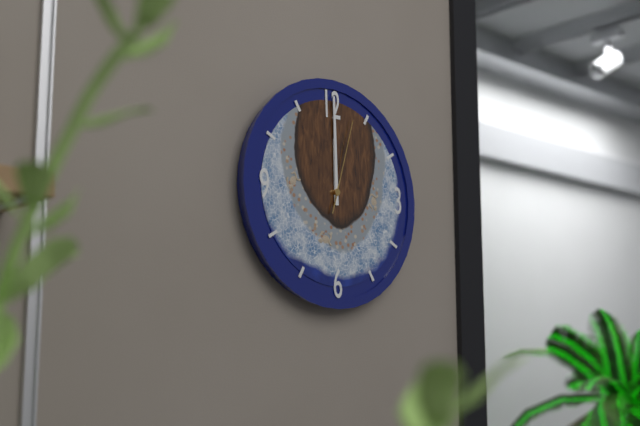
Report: 12:00:03
